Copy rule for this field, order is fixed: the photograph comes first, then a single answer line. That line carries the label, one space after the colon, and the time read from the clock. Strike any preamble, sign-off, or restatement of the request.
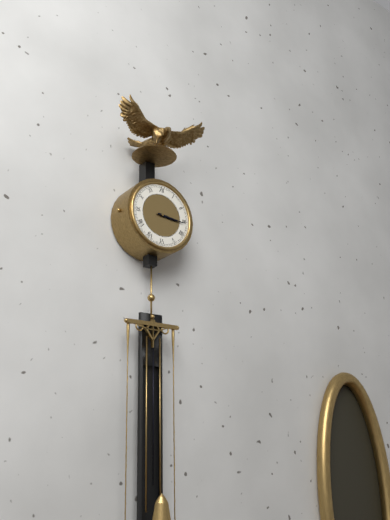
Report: 3:16
